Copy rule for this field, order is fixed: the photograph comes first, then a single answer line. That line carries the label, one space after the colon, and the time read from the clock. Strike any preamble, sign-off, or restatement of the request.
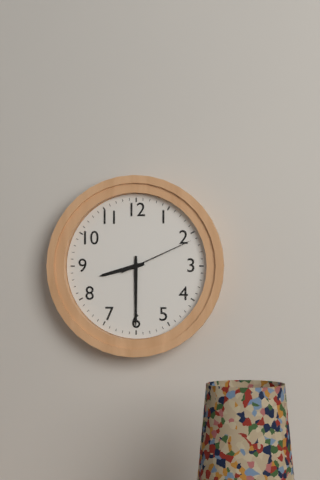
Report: 8:30:11
